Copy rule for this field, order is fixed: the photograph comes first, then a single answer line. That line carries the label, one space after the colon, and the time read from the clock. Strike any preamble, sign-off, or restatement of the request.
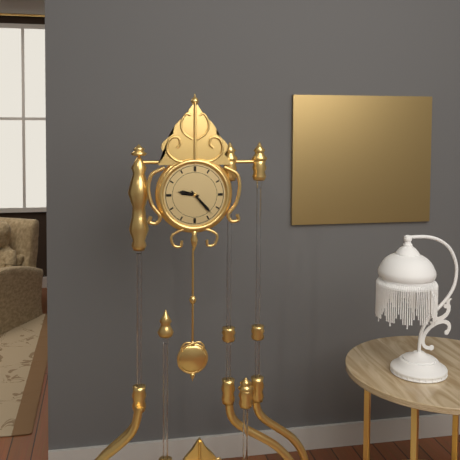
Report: 9:23
